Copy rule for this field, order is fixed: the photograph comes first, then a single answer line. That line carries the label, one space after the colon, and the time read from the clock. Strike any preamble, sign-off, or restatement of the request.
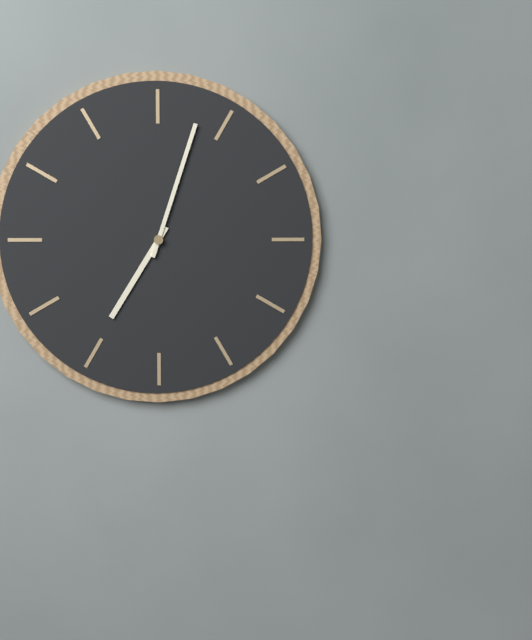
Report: 7:03
